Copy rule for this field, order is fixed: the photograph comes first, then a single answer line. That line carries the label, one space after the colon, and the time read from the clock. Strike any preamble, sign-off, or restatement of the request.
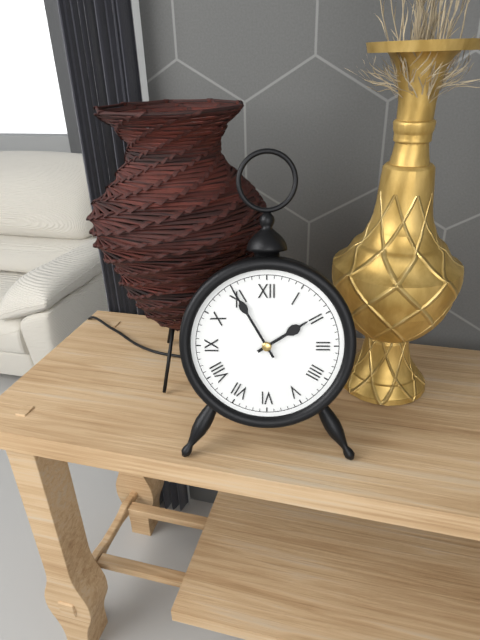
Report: 1:55
